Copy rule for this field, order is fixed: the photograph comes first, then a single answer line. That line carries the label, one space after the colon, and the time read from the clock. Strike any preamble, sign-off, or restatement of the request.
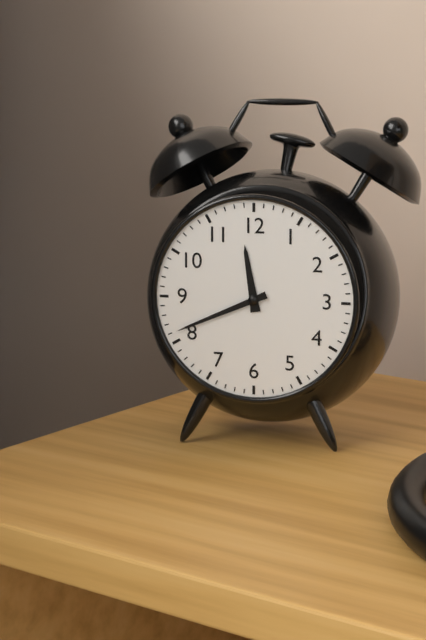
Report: 11:41
